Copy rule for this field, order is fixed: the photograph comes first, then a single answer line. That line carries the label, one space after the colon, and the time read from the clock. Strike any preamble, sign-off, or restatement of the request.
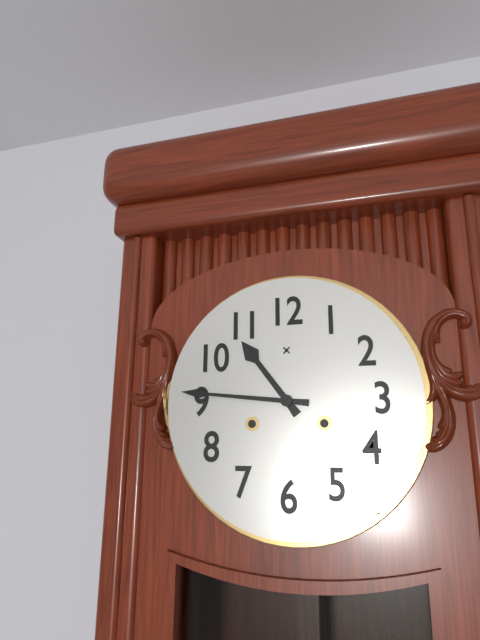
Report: 10:46
